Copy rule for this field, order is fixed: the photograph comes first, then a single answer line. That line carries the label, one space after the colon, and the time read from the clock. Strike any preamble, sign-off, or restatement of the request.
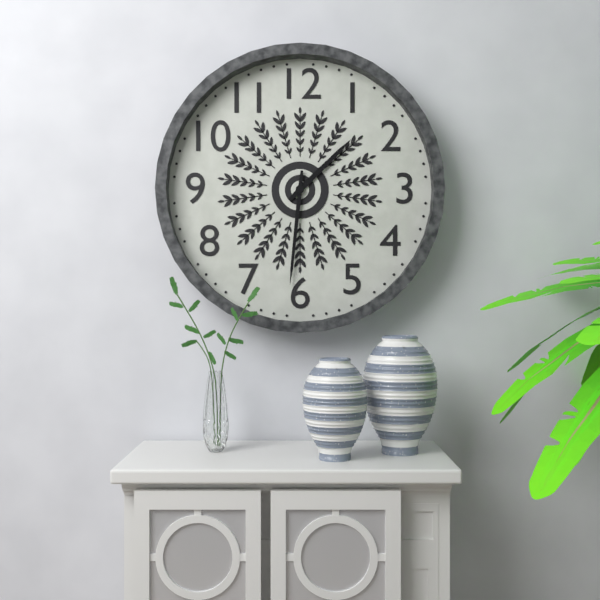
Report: 1:31
